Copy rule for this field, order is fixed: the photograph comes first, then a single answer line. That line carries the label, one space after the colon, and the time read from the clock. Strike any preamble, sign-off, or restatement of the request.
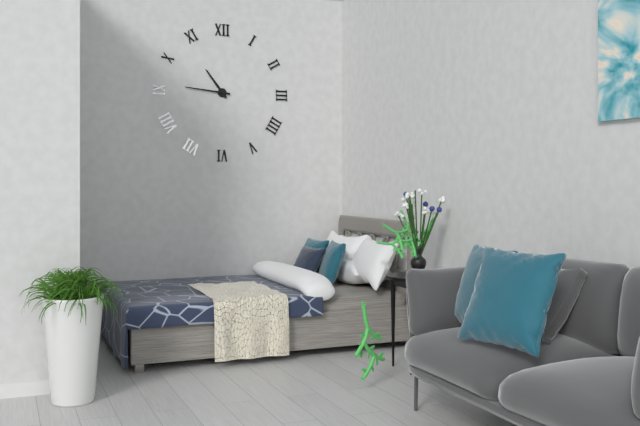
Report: 10:46
